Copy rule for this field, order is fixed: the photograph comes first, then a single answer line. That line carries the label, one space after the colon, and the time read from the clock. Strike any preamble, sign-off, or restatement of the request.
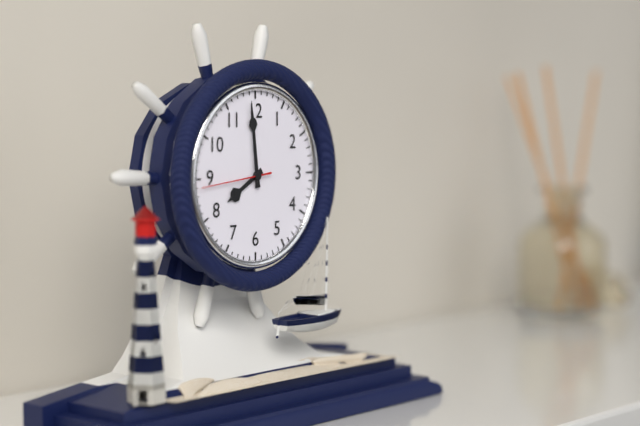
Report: 7:59:44
